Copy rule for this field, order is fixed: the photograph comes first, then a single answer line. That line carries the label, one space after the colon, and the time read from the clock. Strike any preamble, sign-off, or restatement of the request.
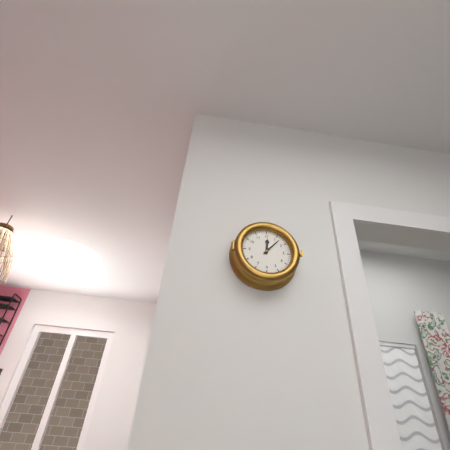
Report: 12:07
